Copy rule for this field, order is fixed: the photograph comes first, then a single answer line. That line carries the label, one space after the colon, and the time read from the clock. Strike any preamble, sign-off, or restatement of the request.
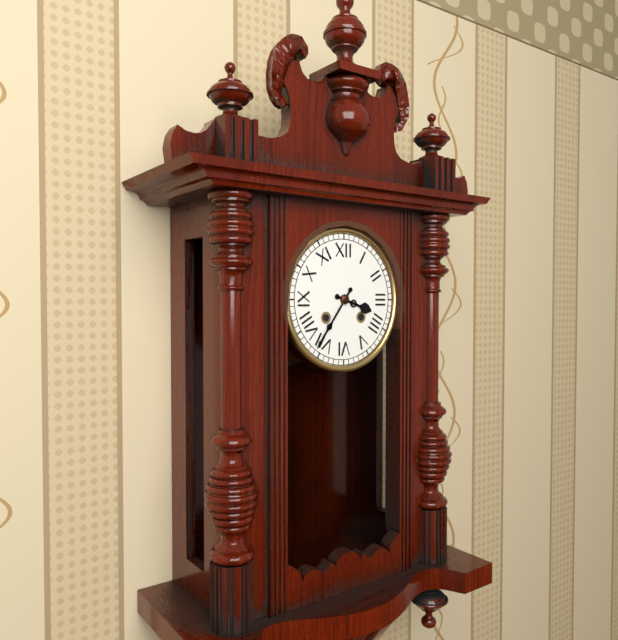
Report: 3:36
